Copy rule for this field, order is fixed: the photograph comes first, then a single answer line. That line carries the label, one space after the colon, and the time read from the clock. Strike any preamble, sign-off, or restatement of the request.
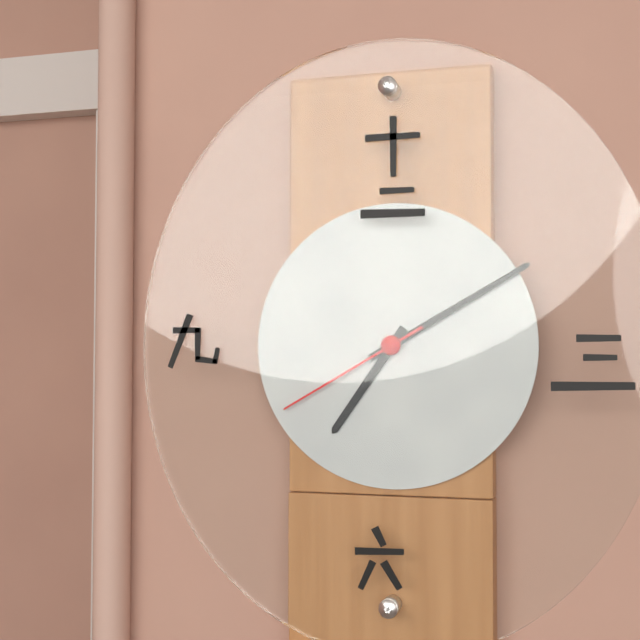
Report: 7:10:40
